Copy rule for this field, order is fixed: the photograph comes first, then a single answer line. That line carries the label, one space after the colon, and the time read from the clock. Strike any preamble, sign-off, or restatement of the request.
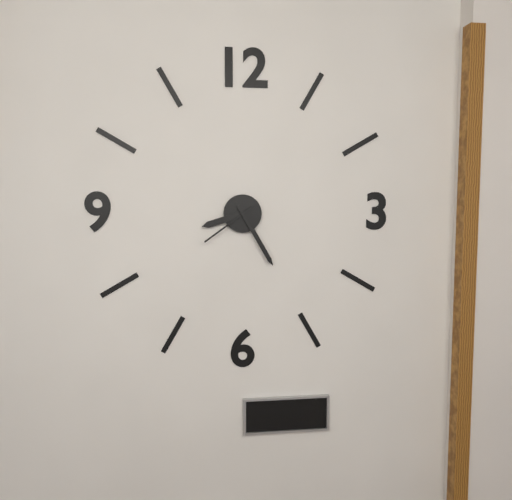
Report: 8:25:39
